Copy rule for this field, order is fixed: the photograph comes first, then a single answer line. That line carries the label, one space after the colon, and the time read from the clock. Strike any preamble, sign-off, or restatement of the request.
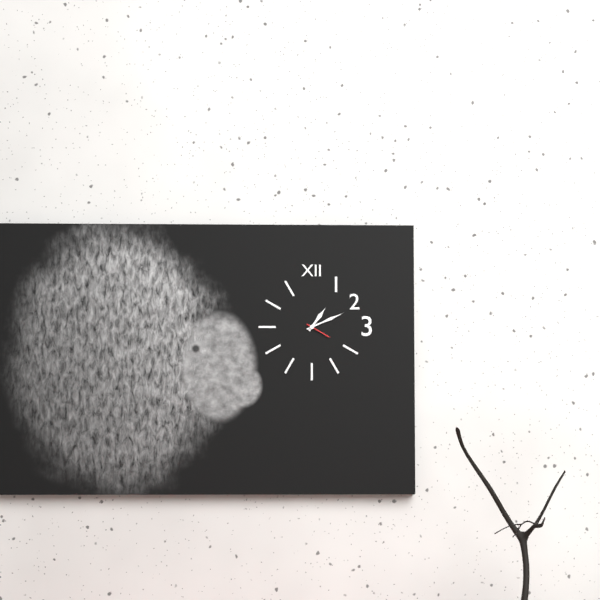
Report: 1:11
